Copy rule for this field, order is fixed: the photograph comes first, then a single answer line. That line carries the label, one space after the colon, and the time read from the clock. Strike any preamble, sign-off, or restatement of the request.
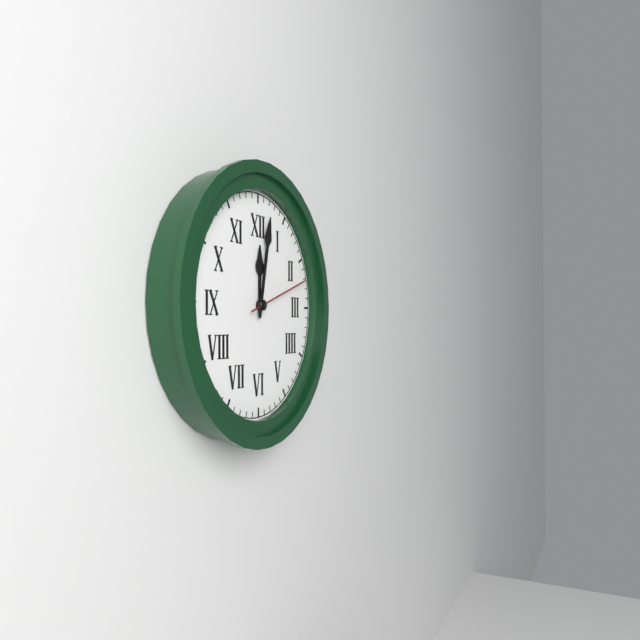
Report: 12:02:12
